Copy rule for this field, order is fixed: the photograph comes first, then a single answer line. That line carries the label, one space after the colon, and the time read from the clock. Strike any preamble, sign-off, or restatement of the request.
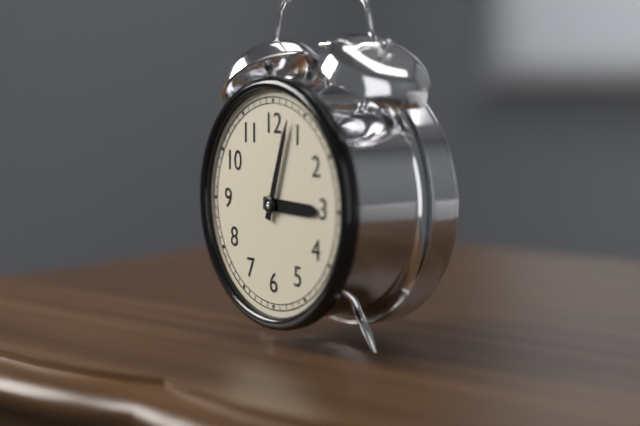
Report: 3:03
